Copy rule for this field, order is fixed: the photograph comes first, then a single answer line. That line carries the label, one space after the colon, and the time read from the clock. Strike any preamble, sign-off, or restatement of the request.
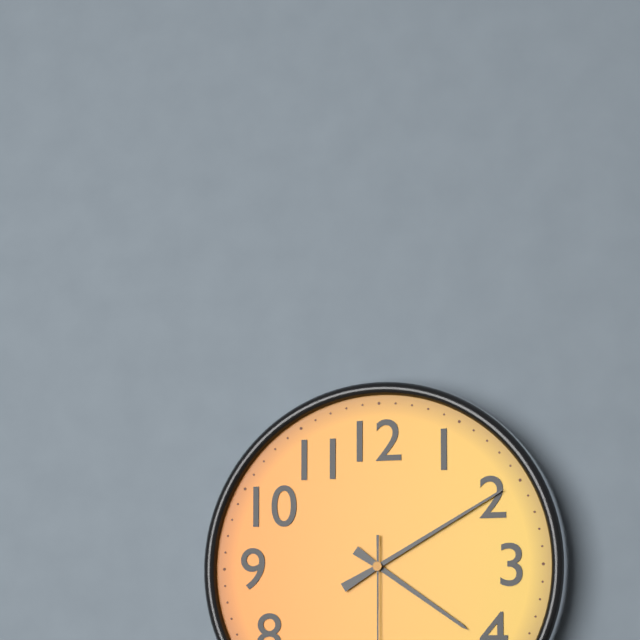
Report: 4:10
